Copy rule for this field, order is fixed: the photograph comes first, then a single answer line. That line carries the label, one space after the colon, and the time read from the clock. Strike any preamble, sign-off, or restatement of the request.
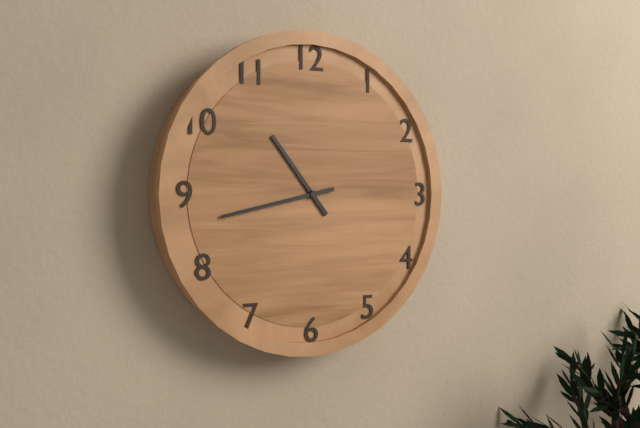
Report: 10:43
